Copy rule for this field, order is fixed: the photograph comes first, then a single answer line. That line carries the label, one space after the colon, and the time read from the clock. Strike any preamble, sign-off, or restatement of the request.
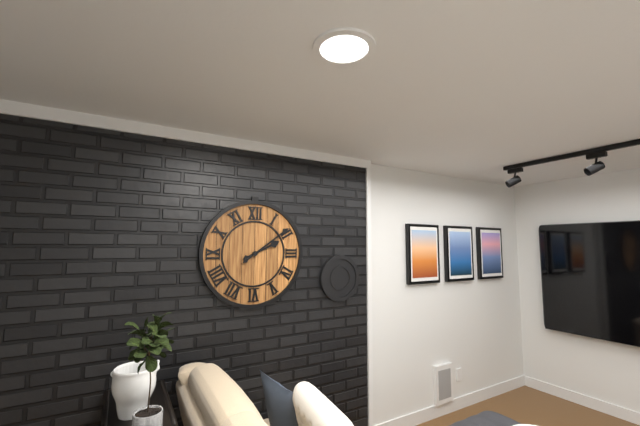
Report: 2:09
